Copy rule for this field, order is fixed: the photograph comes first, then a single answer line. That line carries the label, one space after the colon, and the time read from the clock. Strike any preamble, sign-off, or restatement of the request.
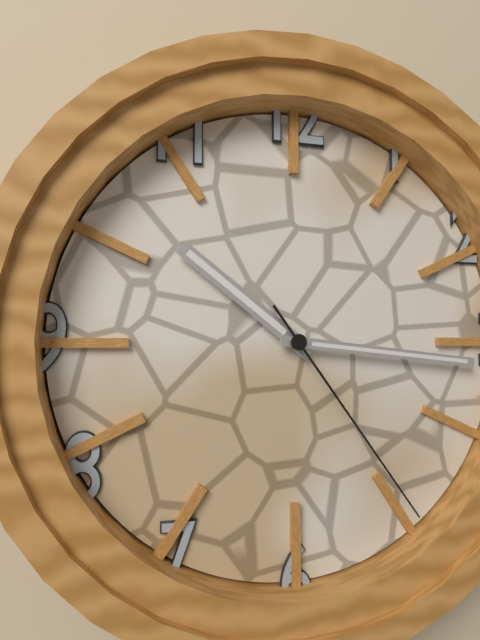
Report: 10:16:24
